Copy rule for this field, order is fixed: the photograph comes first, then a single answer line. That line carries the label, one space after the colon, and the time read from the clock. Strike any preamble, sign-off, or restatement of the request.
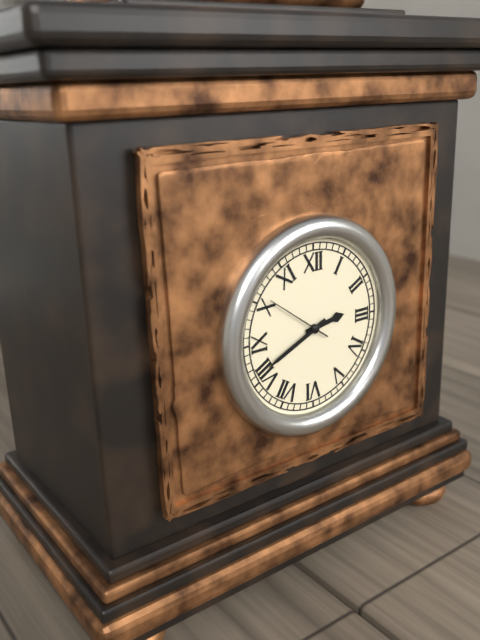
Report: 2:41:51
